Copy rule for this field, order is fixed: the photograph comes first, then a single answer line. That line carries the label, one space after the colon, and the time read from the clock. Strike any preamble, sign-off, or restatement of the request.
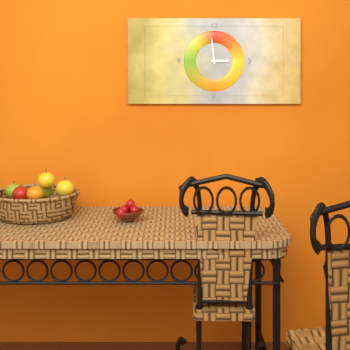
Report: 2:59
